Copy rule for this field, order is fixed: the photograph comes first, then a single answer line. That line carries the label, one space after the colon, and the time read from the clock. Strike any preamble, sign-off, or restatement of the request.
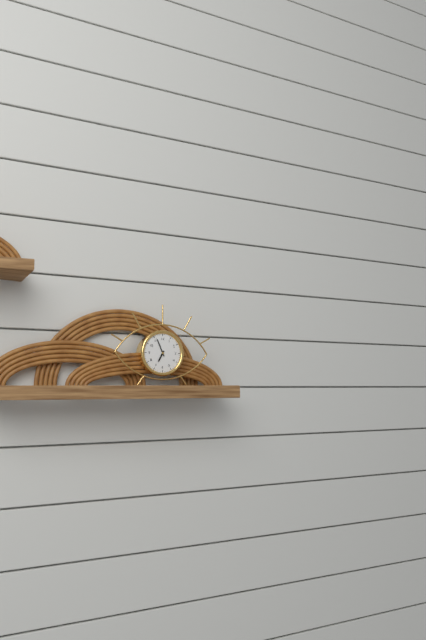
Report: 6:56
